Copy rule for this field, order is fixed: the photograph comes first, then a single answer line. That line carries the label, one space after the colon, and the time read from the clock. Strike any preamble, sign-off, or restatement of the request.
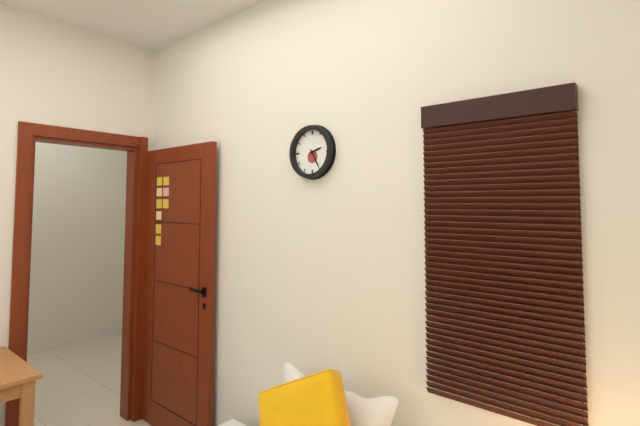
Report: 2:25
